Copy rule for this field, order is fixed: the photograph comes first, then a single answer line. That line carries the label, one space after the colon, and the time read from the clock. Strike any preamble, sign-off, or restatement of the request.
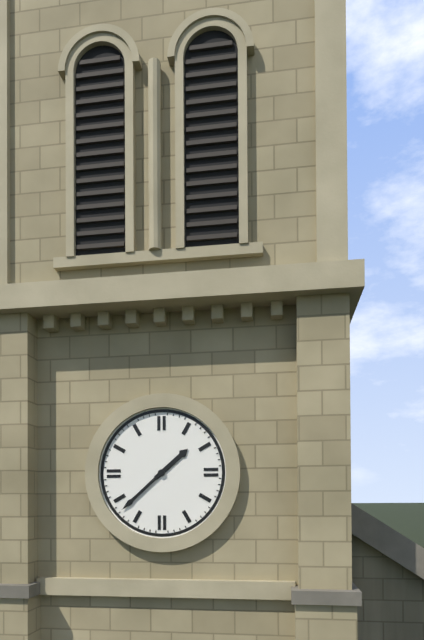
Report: 1:38
